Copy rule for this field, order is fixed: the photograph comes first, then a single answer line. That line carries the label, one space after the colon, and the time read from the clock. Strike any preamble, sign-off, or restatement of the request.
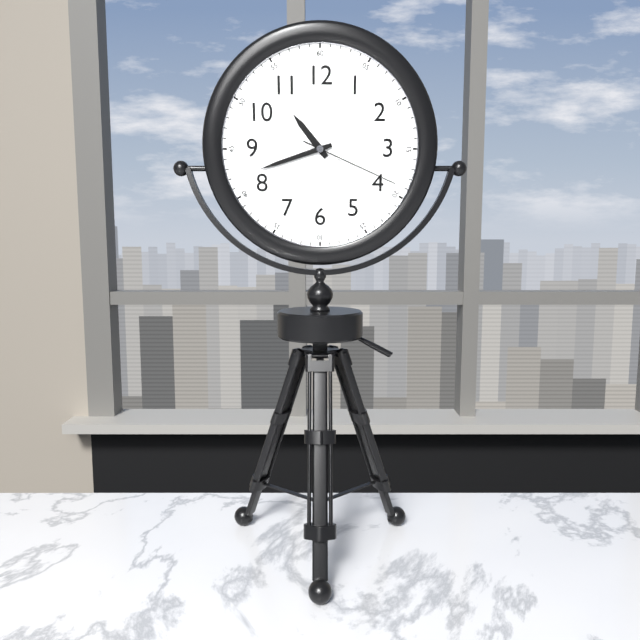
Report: 10:42:19
